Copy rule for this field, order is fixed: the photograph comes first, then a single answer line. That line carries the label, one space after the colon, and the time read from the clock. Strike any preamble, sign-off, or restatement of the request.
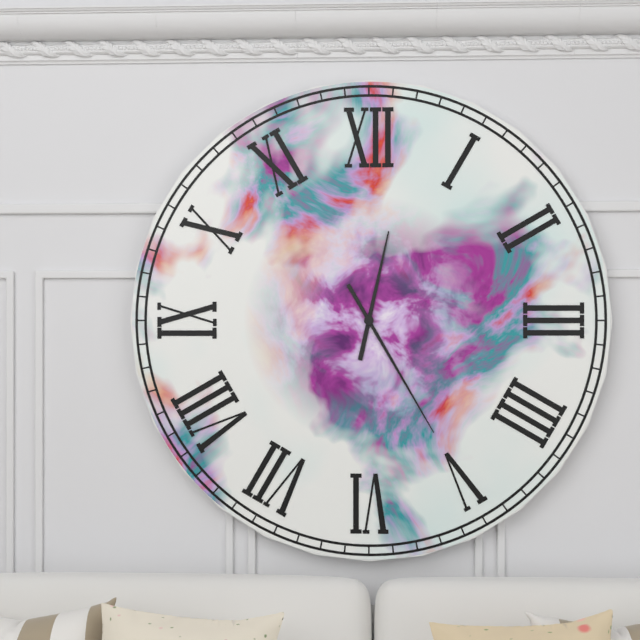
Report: 12:25
